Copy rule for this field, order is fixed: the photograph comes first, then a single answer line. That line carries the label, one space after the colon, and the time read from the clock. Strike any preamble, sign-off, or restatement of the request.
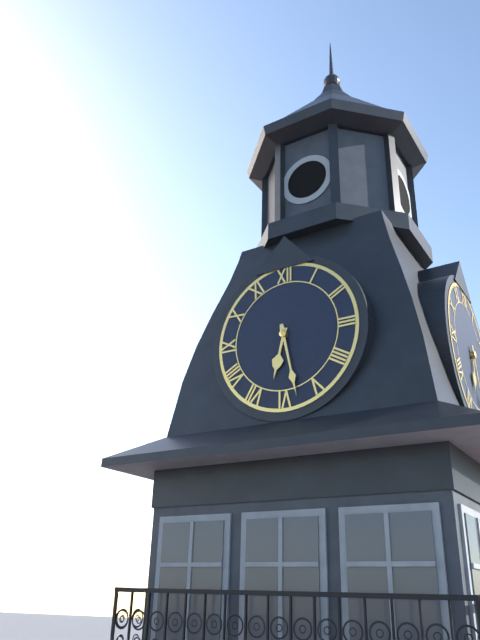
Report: 6:28
